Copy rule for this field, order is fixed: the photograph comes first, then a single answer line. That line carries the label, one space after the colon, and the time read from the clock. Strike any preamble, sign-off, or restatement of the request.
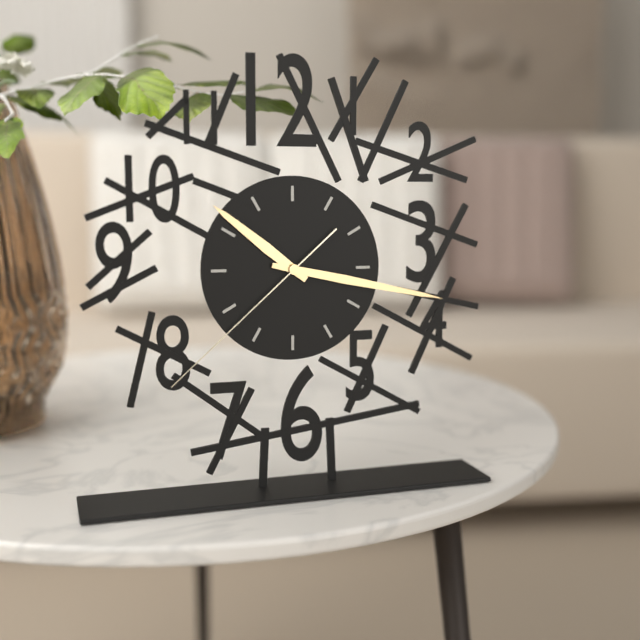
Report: 10:17:38
